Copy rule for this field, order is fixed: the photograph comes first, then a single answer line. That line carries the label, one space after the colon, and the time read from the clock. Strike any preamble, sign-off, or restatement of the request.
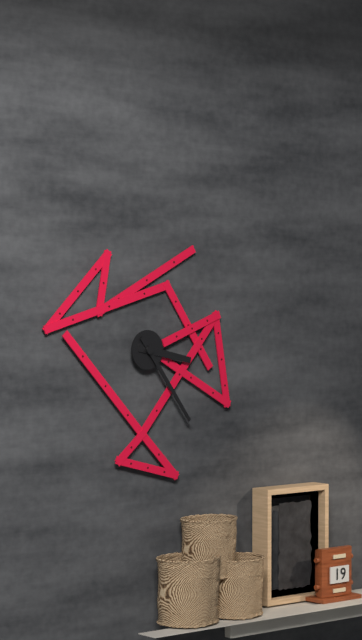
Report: 3:24
